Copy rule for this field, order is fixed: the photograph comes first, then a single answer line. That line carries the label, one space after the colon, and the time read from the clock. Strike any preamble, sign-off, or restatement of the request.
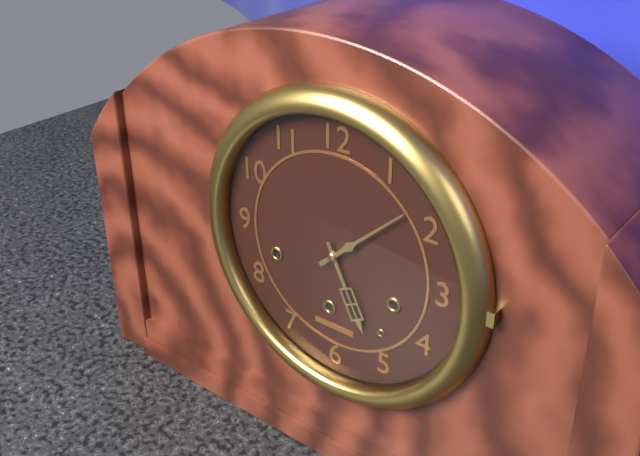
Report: 5:08
